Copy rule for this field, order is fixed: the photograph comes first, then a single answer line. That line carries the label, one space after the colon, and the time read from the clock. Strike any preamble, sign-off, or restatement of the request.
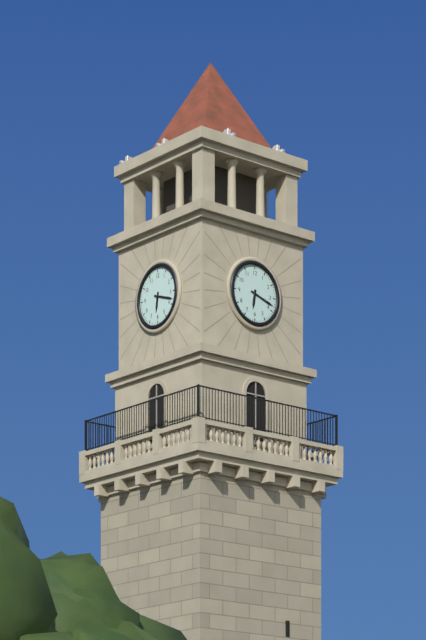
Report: 6:18
